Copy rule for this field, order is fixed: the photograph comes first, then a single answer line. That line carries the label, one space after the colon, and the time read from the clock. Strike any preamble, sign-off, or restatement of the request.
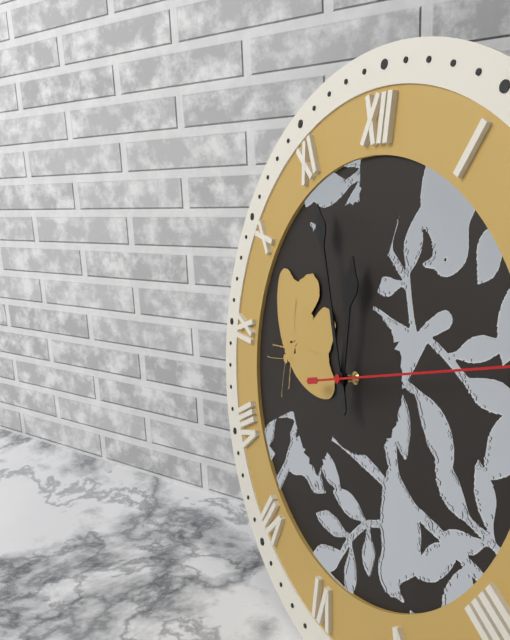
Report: 11:56
